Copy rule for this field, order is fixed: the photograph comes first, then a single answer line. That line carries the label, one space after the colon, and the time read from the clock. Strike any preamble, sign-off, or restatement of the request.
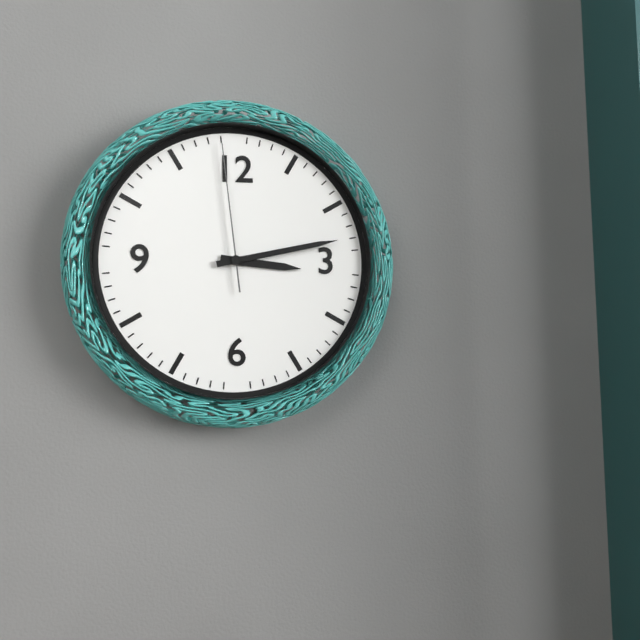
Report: 3:13:59
